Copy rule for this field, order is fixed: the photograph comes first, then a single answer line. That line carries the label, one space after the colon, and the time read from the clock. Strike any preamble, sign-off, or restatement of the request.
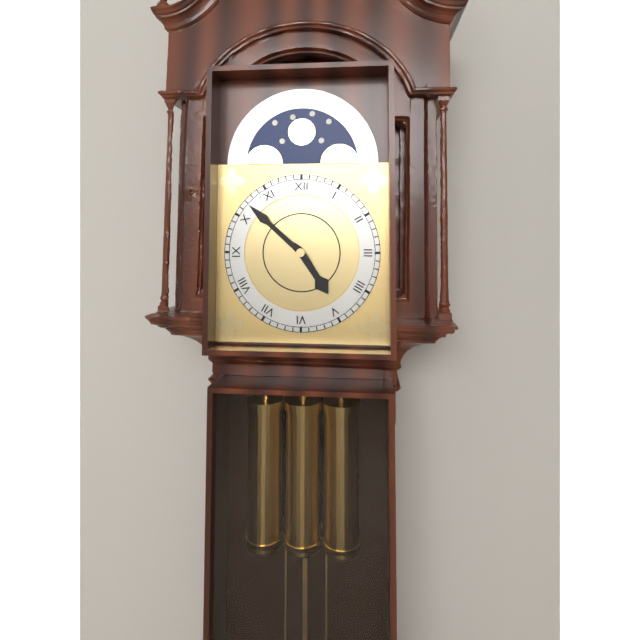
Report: 4:52
